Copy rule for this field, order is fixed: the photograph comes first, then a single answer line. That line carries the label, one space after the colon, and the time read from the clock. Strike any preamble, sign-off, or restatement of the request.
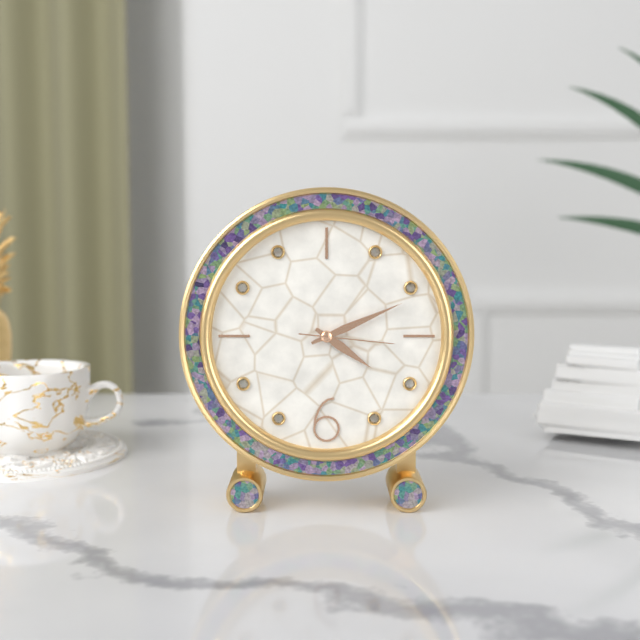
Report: 4:11:16
